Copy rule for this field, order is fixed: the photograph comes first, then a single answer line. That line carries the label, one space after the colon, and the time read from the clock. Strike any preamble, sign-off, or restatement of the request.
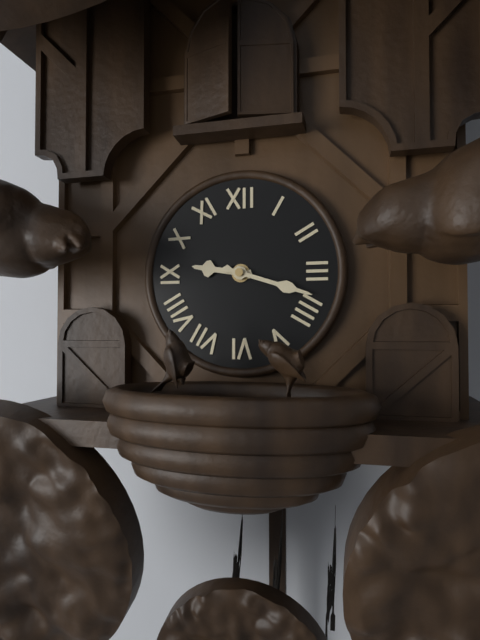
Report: 9:18
